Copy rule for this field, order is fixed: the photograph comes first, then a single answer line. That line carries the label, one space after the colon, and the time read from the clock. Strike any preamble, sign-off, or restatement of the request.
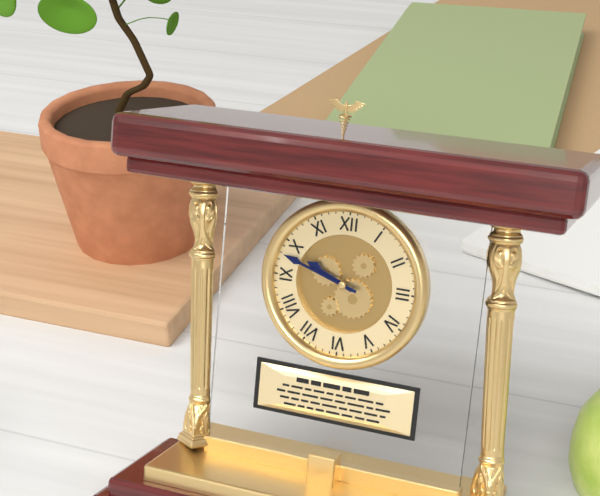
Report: 9:48
